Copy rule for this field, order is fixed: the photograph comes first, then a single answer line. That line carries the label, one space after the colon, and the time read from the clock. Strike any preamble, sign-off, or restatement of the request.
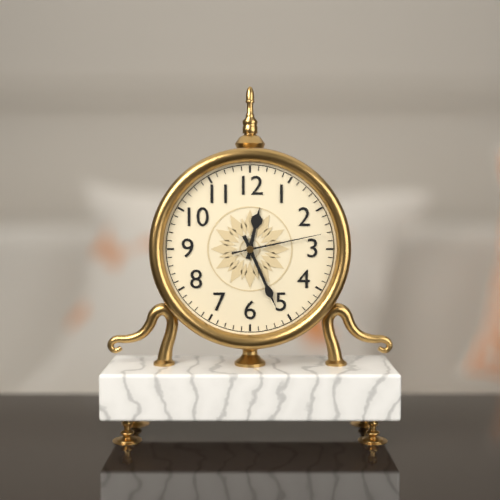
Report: 12:26:13
